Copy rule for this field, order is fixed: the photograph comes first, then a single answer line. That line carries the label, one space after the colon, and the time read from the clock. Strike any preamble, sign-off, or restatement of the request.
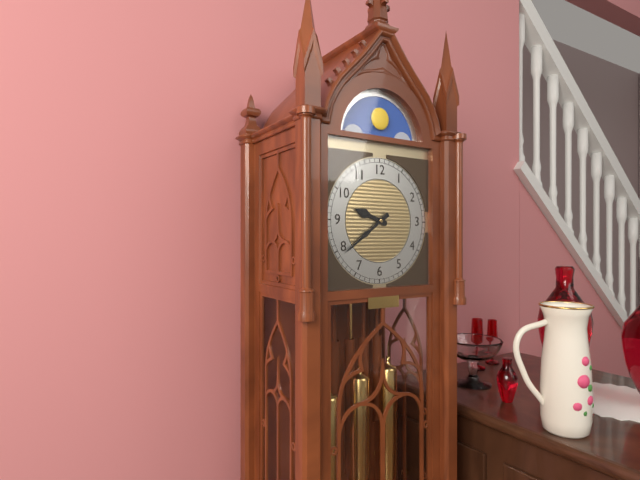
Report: 9:39
